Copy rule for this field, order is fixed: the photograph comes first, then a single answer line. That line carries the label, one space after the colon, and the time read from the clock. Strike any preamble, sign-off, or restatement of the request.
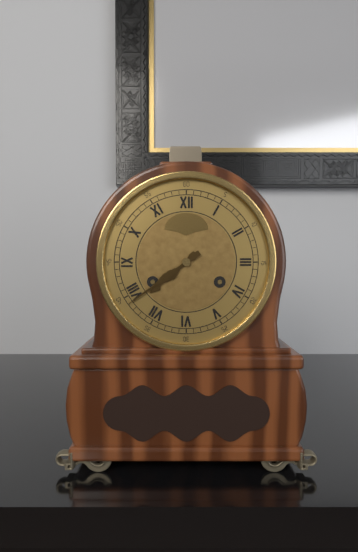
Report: 7:39
